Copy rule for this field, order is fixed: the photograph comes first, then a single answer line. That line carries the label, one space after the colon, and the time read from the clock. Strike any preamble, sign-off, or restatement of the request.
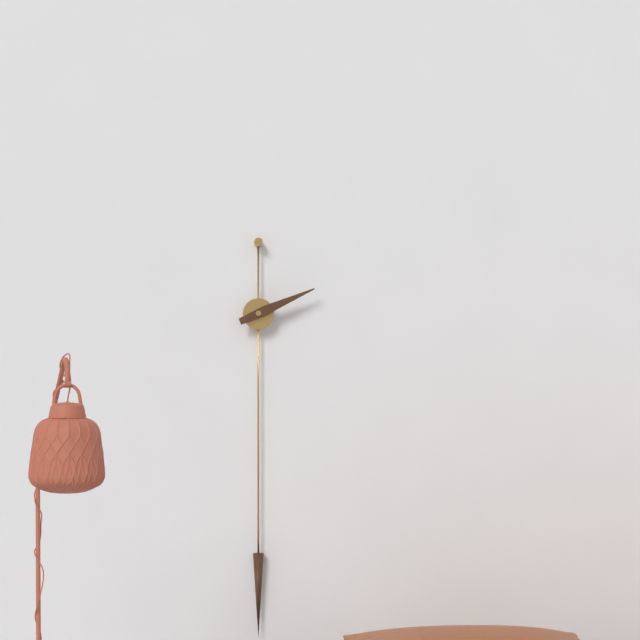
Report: 2:11
